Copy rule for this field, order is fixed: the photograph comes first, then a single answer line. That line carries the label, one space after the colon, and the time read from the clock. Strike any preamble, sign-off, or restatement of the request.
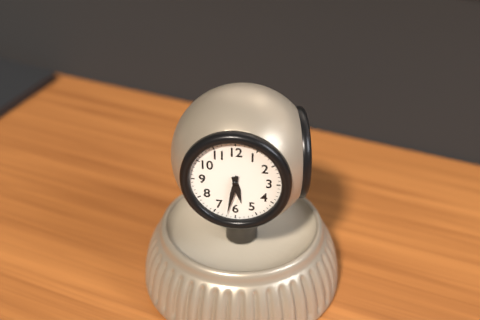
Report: 5:32
